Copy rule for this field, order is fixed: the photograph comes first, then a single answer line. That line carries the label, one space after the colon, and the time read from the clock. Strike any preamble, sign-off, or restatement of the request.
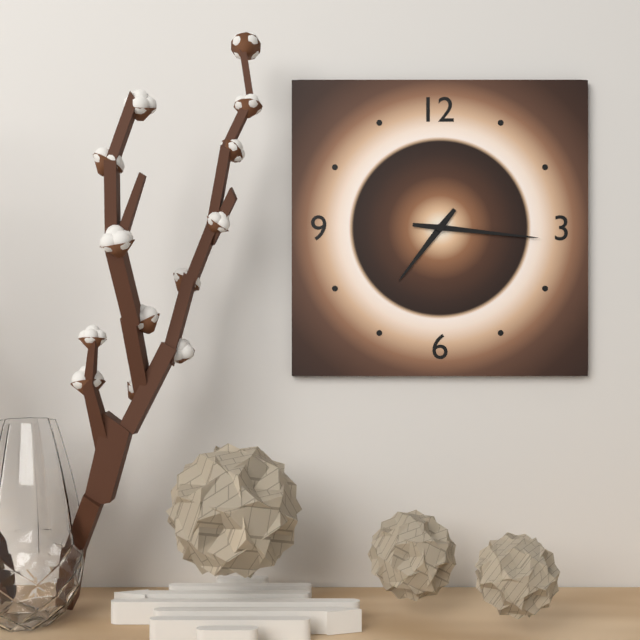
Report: 7:16
